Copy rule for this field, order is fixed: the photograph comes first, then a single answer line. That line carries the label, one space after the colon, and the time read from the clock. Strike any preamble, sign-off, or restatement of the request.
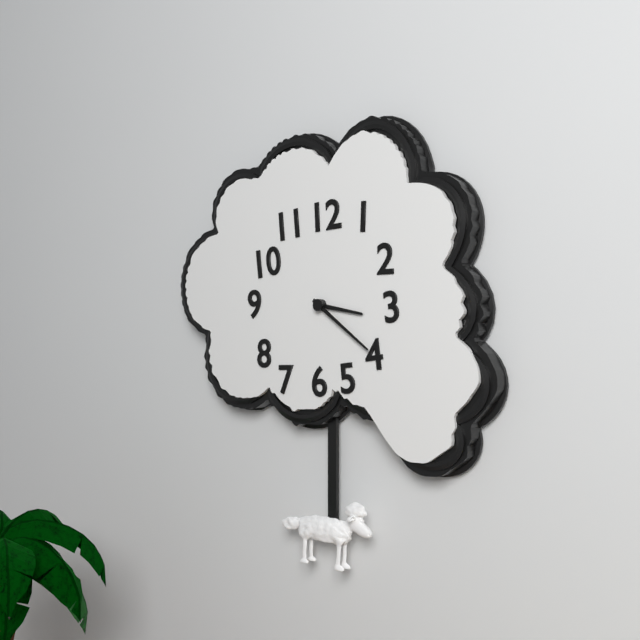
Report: 3:21
